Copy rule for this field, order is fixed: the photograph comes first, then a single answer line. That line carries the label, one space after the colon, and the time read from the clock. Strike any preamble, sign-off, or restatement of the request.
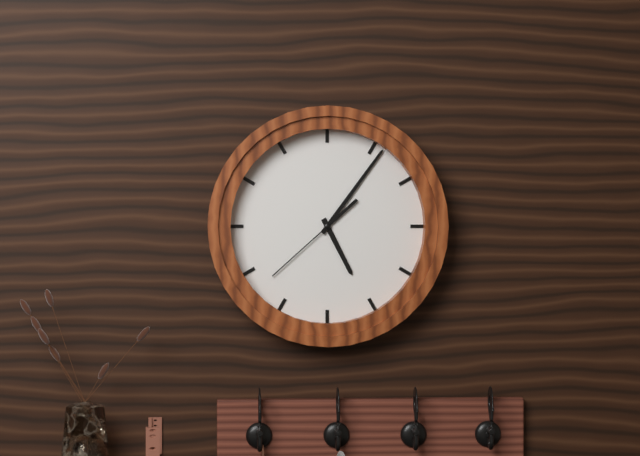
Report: 5:06:38
